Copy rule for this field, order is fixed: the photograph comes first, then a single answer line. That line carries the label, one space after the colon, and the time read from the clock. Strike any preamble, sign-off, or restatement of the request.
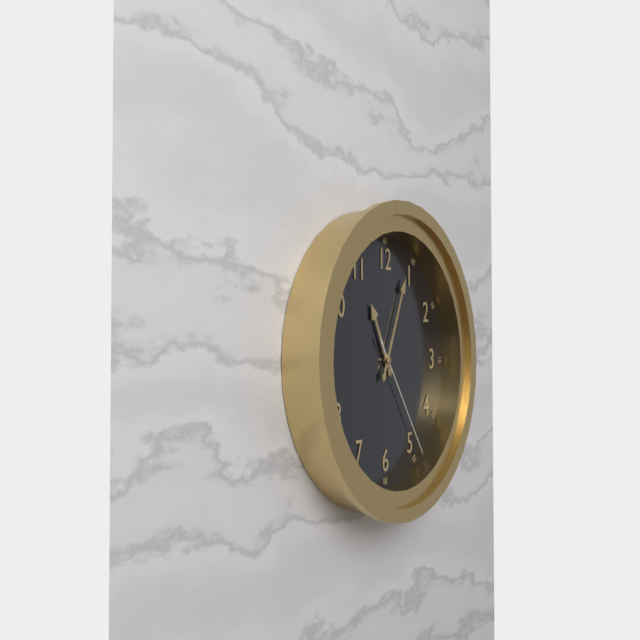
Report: 11:04:24
